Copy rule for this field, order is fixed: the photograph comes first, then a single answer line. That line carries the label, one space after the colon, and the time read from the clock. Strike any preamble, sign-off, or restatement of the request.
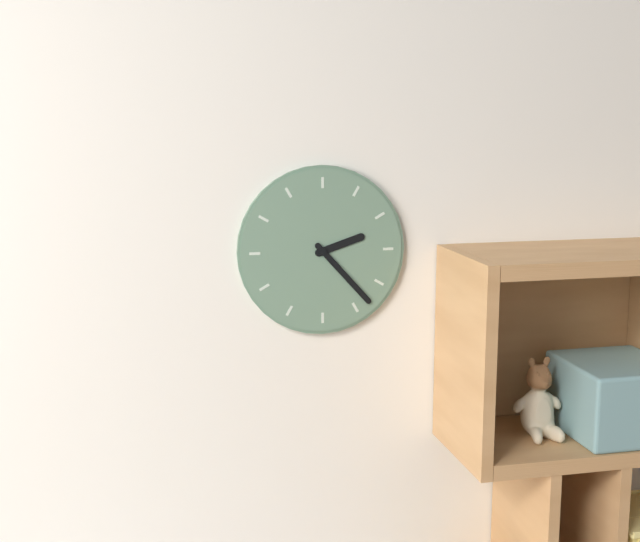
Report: 2:23
